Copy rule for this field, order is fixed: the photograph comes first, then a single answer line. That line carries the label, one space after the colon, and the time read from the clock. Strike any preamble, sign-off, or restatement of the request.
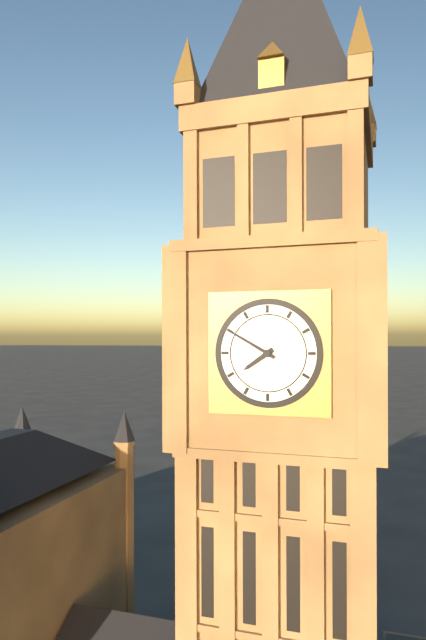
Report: 7:50
